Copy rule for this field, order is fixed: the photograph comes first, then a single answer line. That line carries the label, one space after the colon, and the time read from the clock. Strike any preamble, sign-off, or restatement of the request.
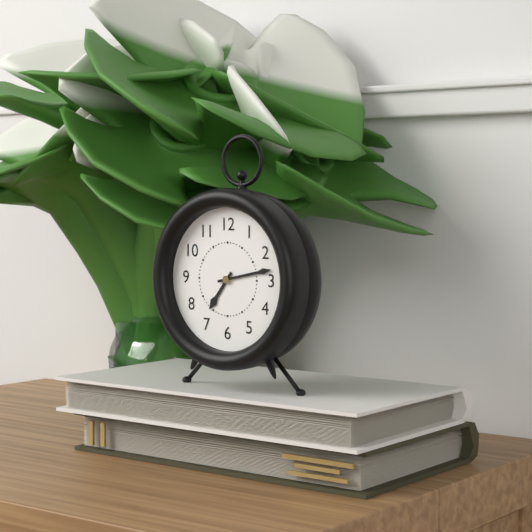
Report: 7:13
